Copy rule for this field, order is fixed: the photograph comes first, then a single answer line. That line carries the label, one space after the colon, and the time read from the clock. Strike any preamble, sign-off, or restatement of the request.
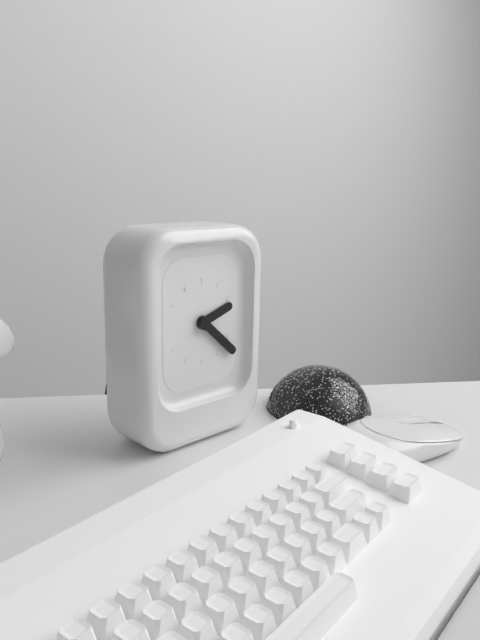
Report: 2:22
